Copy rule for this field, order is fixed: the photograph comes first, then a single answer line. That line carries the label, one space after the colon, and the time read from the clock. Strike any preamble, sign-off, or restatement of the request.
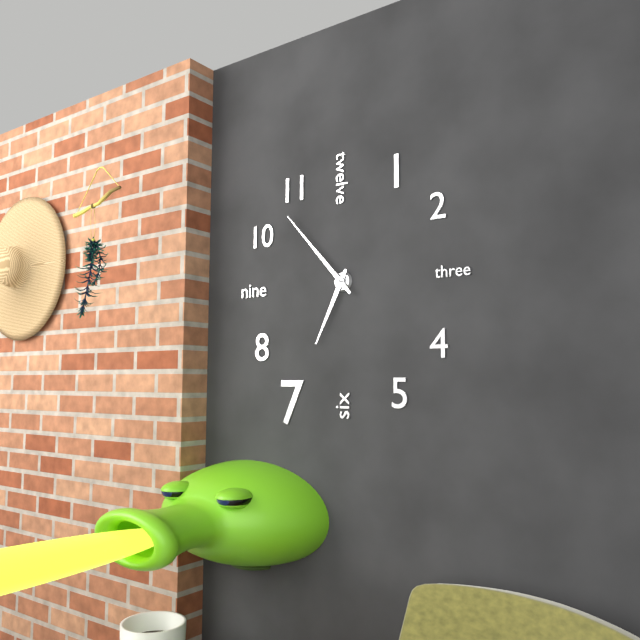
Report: 6:53
